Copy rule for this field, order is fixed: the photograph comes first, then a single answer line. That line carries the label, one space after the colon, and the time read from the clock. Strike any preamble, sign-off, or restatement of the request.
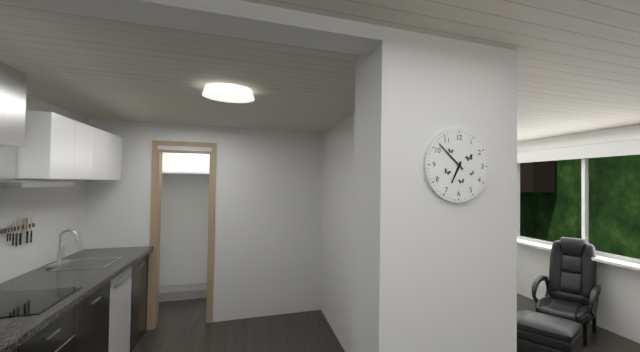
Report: 6:52
